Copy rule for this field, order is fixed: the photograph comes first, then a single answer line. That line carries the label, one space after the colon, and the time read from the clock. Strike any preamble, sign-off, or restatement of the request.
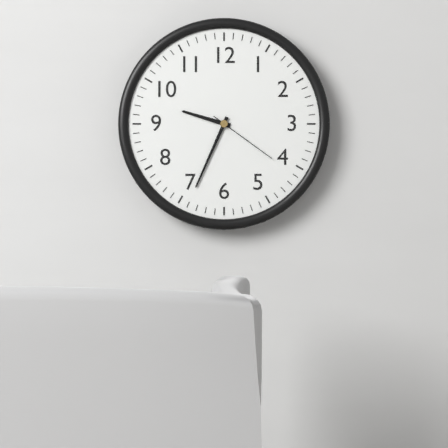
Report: 9:34:21
